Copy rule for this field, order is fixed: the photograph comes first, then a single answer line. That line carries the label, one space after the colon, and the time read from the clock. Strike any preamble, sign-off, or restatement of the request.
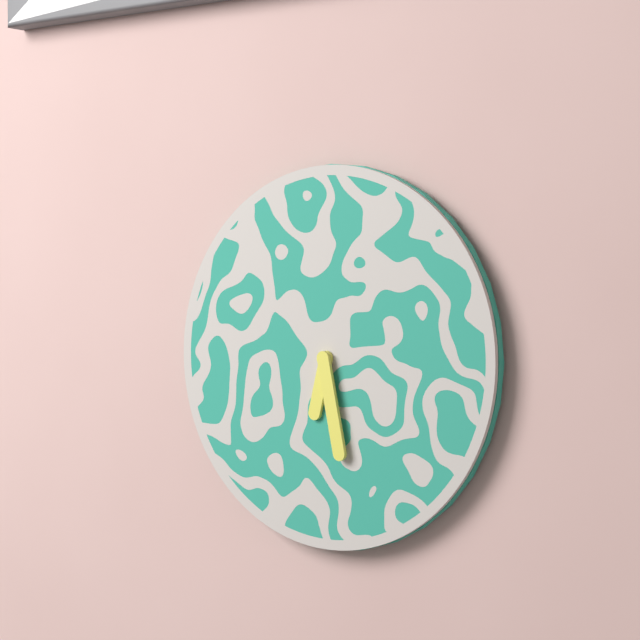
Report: 6:28
